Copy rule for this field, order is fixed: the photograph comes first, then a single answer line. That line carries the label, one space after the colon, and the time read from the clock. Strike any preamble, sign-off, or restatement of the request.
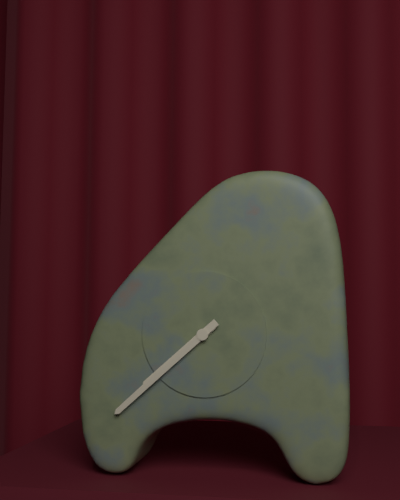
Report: 7:38
